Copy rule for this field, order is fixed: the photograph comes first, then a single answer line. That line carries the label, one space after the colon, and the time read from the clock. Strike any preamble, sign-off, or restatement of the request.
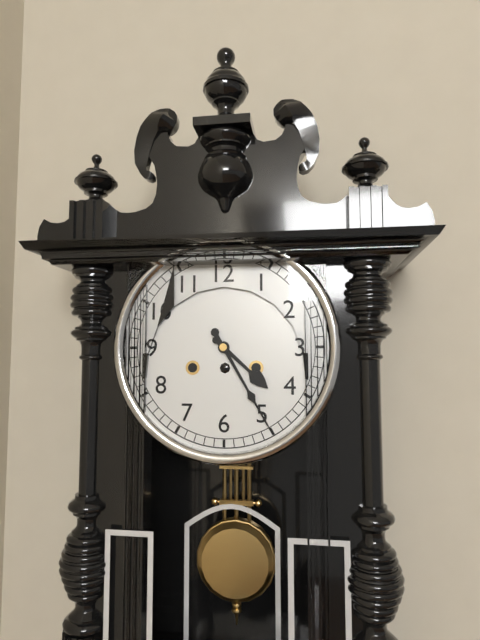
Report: 4:25
